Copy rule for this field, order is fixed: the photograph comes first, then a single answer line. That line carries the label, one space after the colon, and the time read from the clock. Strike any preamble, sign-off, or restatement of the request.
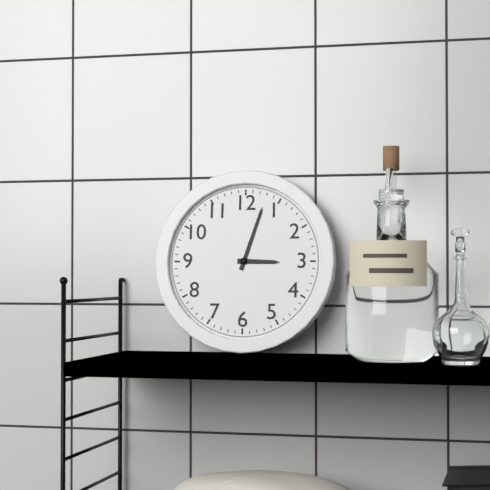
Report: 3:03
